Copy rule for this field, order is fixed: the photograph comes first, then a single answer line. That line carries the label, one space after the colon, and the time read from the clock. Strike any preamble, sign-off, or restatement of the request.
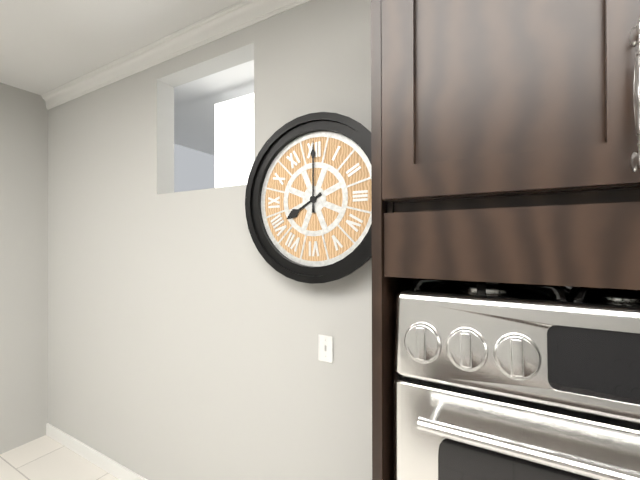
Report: 8:00
